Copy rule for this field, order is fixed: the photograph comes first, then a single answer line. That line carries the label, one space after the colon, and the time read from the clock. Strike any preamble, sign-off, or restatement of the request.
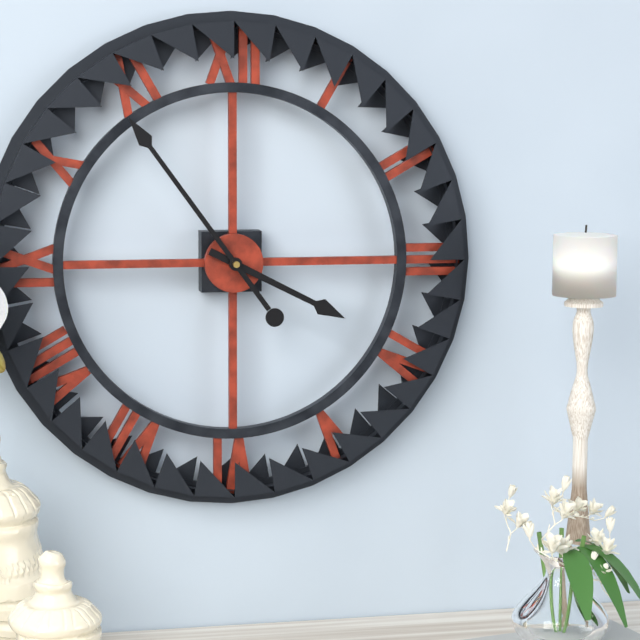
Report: 3:54
